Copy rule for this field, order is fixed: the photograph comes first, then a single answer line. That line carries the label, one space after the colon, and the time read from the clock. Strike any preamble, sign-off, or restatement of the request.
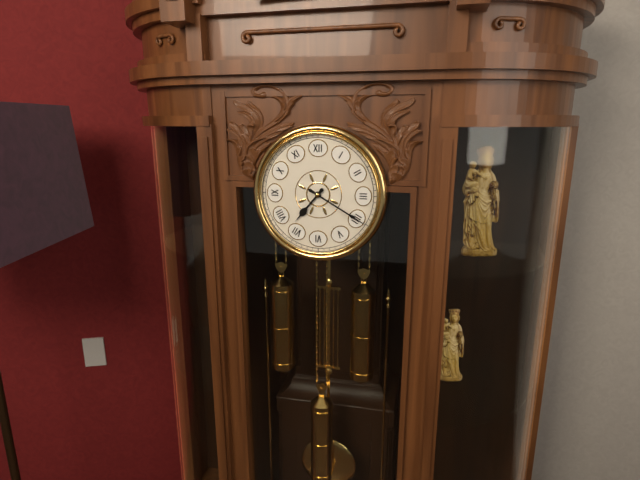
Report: 7:20
